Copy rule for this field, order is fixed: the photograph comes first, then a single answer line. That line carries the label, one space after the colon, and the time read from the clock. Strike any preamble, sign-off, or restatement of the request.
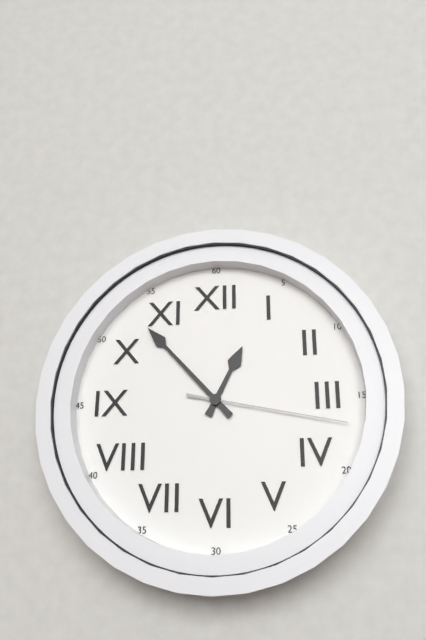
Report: 12:53:17
